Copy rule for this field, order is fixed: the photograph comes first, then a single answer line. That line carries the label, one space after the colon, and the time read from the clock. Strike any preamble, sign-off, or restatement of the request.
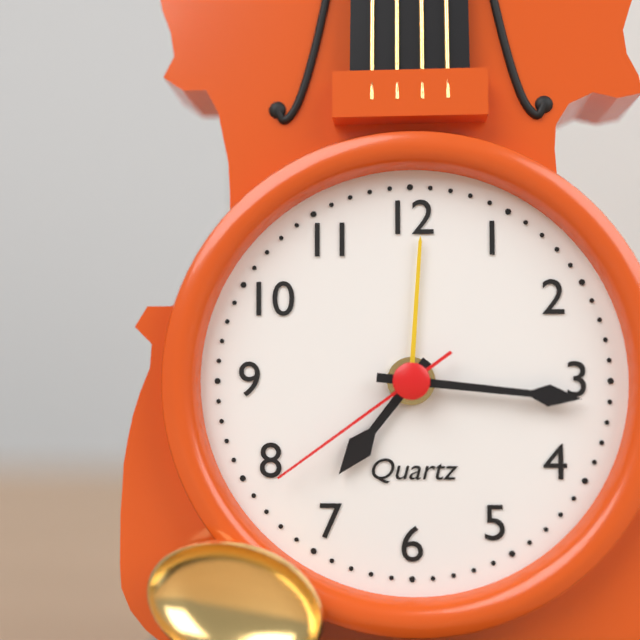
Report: 7:16:39
